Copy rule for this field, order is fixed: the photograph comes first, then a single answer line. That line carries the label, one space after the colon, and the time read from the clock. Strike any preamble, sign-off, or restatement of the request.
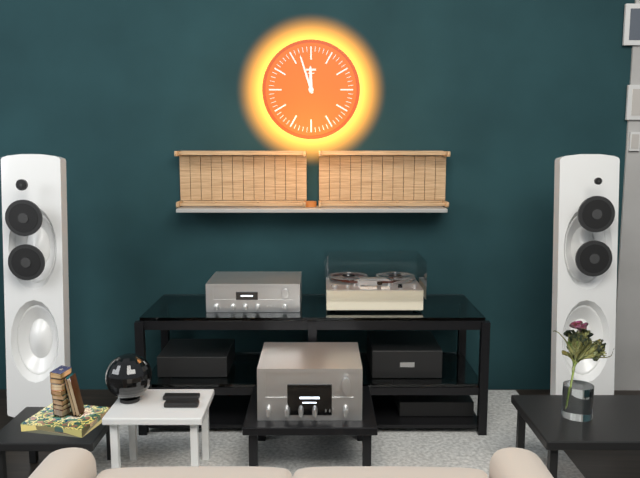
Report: 11:57
